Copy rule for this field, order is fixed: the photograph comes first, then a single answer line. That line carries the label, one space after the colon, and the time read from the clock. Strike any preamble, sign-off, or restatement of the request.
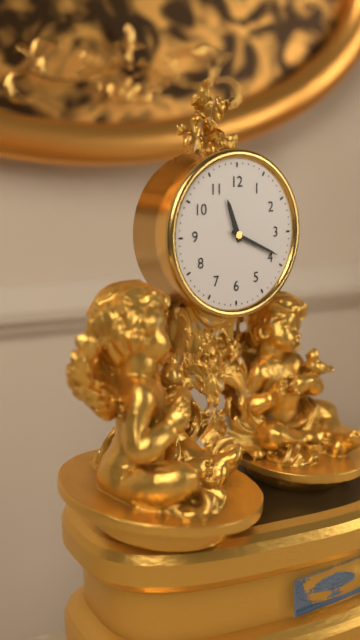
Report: 11:19
